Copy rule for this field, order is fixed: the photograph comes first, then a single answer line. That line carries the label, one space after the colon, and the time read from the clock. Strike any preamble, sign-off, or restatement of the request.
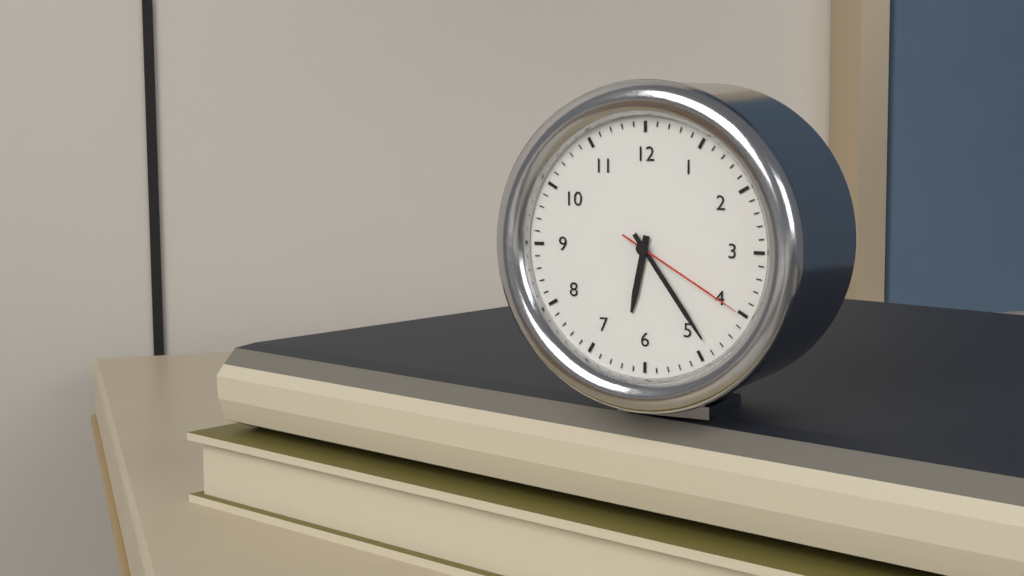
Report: 6:24:20
